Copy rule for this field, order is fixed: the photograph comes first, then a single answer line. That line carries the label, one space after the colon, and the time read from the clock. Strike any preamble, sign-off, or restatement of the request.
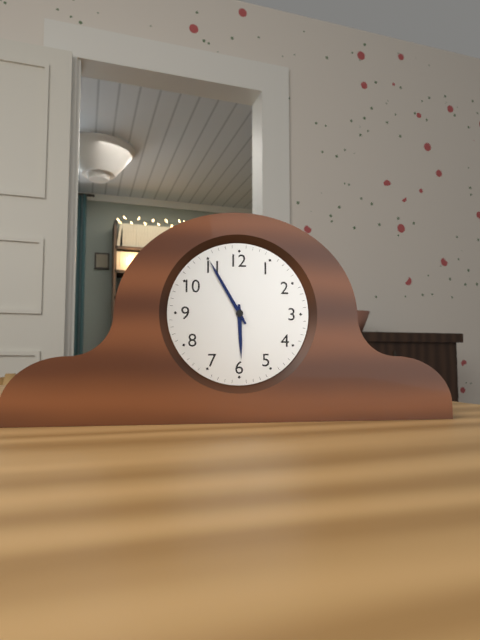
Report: 5:55
